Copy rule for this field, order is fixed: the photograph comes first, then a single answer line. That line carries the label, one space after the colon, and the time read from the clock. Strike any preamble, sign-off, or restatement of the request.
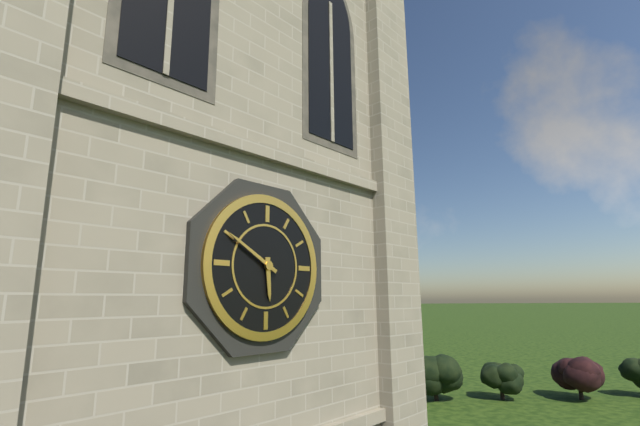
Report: 5:50
